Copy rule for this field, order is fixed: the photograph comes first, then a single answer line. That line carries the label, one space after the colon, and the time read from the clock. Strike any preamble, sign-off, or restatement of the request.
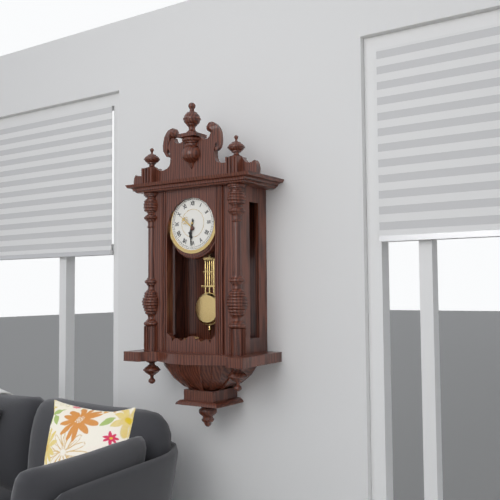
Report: 6:31
